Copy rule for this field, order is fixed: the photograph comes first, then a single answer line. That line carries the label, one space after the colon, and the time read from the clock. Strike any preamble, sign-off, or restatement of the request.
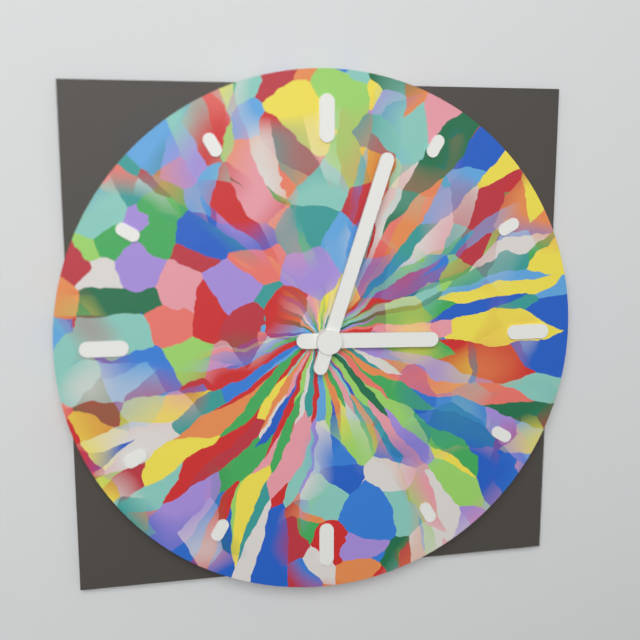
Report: 3:03
